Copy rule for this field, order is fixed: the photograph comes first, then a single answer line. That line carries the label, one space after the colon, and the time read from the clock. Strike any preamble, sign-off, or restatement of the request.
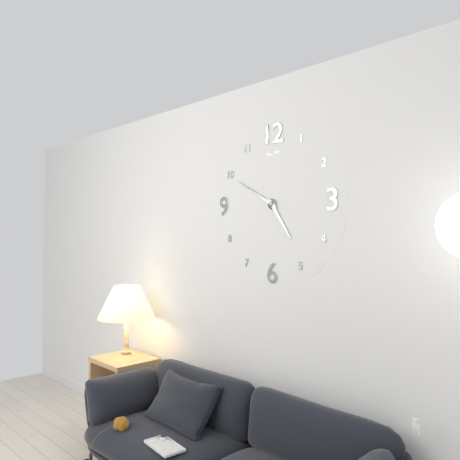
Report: 4:50
